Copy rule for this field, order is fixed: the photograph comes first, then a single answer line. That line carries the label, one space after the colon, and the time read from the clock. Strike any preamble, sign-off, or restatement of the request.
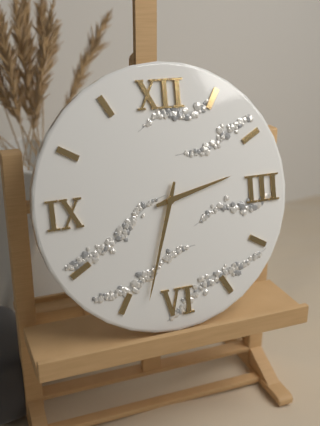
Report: 2:33
